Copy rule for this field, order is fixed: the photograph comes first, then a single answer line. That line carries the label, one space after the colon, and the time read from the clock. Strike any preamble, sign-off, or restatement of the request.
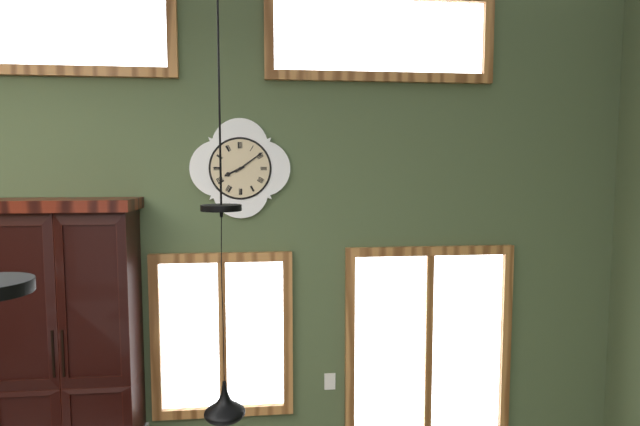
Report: 8:09
